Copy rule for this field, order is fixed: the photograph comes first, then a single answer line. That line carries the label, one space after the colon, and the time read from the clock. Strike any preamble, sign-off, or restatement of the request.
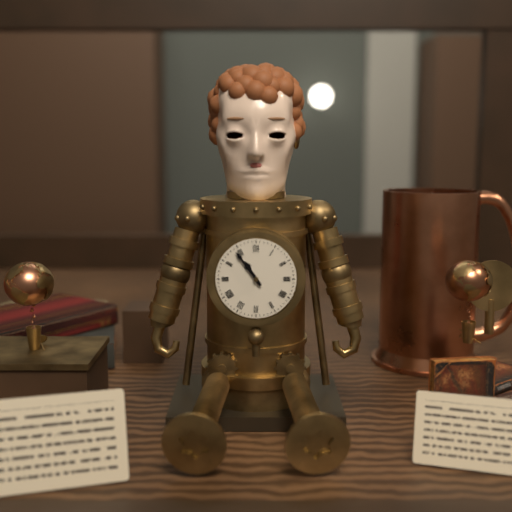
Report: 10:54
